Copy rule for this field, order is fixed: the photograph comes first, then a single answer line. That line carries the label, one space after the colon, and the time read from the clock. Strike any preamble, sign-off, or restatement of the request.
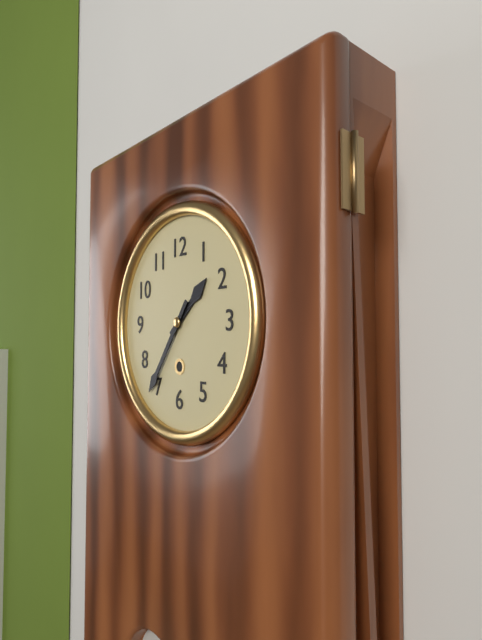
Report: 1:36
